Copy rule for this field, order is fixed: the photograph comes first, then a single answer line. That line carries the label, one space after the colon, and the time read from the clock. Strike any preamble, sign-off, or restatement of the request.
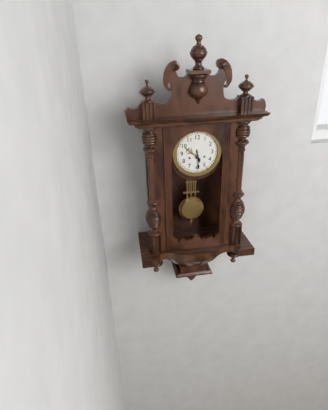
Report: 5:29
